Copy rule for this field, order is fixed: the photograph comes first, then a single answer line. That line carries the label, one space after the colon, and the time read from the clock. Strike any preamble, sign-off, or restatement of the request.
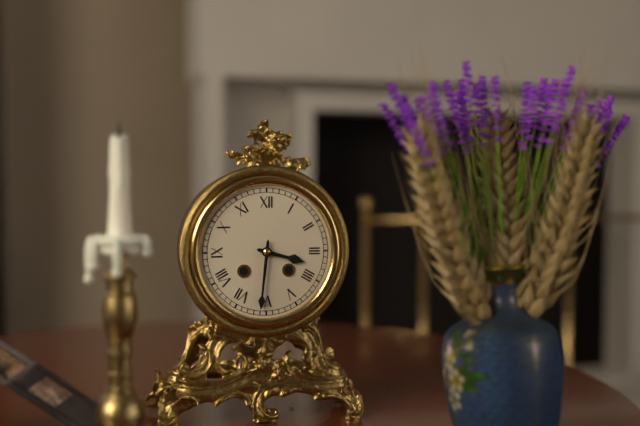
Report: 3:31
